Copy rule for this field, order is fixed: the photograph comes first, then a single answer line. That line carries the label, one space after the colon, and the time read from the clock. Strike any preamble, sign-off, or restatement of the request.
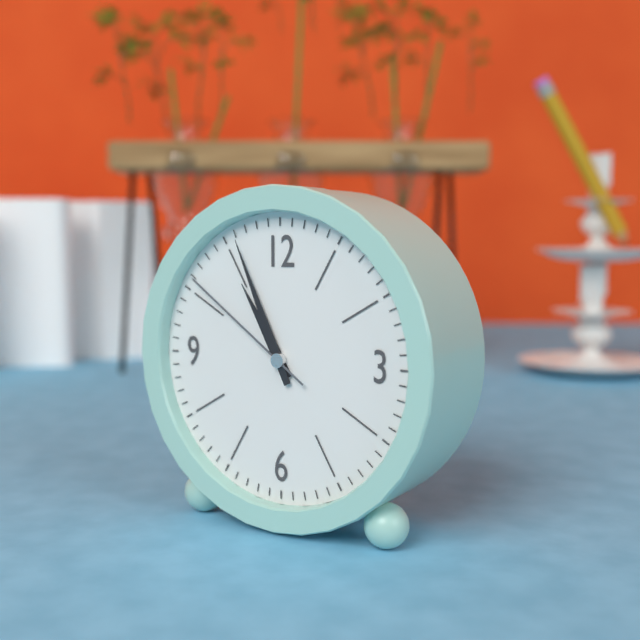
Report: 10:56:51
